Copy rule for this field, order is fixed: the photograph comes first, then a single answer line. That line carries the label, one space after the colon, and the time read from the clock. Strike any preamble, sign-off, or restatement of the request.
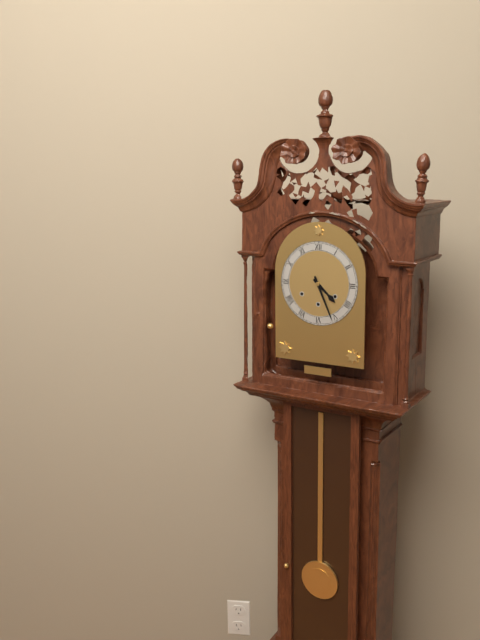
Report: 4:26
